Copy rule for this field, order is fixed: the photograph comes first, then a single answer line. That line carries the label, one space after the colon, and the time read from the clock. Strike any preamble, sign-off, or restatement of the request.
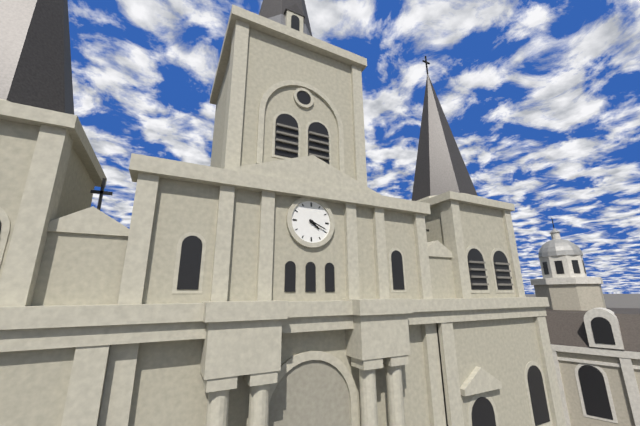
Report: 4:19
